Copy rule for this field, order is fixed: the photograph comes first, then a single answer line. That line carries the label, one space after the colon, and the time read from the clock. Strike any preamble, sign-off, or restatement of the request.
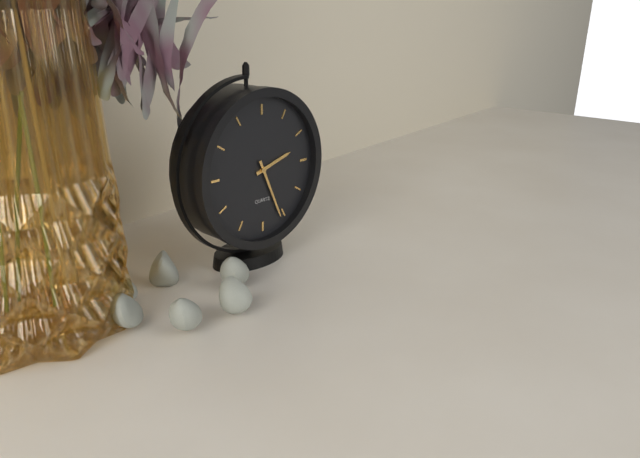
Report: 2:26
